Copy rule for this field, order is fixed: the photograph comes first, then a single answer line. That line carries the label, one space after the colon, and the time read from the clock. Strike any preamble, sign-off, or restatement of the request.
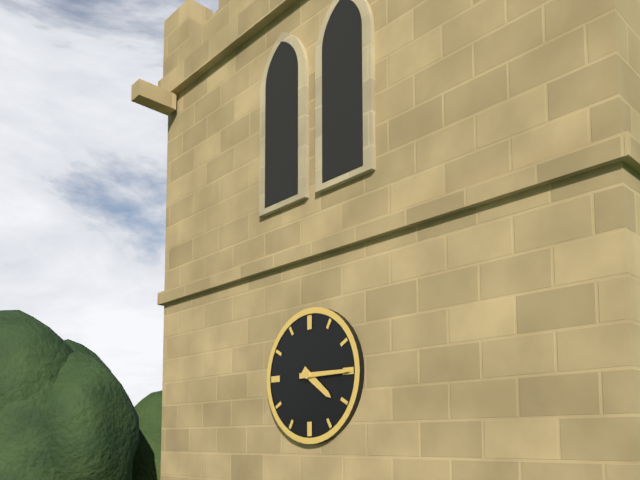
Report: 4:15
